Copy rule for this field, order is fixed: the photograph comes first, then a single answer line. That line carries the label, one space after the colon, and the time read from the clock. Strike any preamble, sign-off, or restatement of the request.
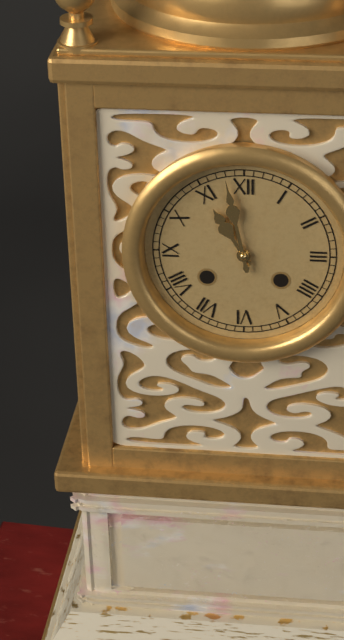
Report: 10:58
